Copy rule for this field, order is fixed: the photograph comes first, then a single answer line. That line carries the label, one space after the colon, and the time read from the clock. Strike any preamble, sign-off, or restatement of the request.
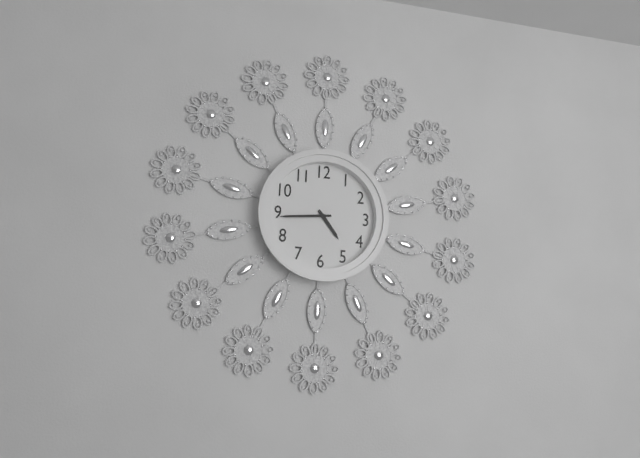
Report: 4:44
